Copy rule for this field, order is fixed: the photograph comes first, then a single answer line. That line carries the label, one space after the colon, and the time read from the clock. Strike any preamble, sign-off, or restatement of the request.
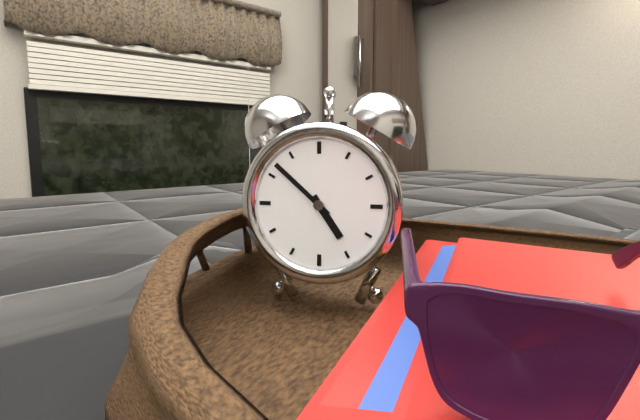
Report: 4:52
